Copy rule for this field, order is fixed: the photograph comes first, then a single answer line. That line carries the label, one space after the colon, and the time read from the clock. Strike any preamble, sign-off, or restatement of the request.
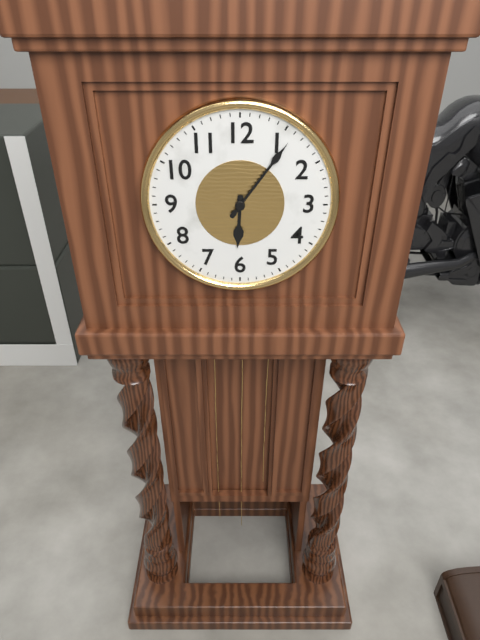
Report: 6:06
